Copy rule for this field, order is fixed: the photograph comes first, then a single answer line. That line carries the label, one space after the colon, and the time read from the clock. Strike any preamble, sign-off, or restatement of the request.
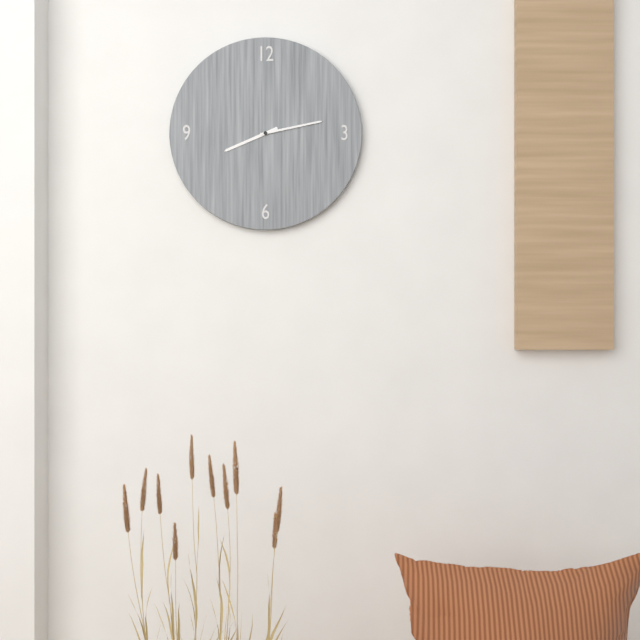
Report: 8:13
